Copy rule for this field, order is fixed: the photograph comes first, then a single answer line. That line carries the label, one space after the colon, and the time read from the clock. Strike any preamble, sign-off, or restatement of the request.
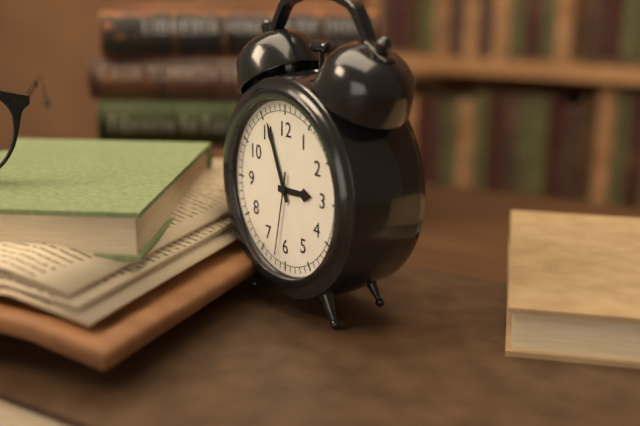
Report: 2:56:32
